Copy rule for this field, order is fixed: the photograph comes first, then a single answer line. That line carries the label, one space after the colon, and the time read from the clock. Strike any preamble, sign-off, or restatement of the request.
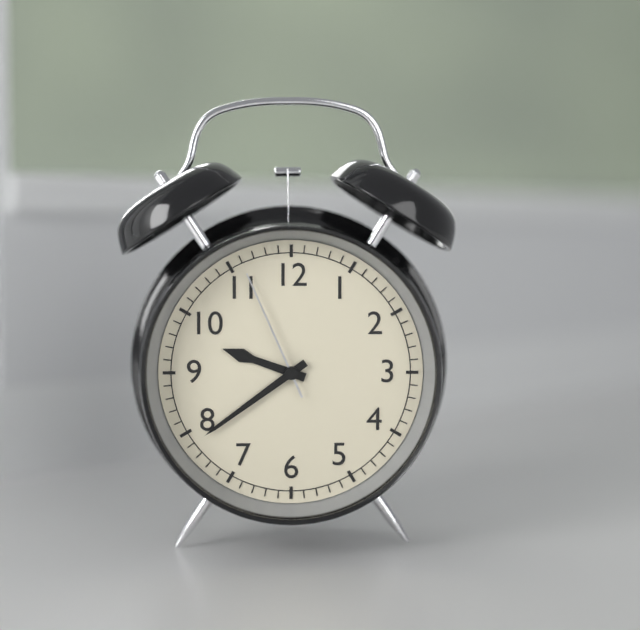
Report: 9:39:56
